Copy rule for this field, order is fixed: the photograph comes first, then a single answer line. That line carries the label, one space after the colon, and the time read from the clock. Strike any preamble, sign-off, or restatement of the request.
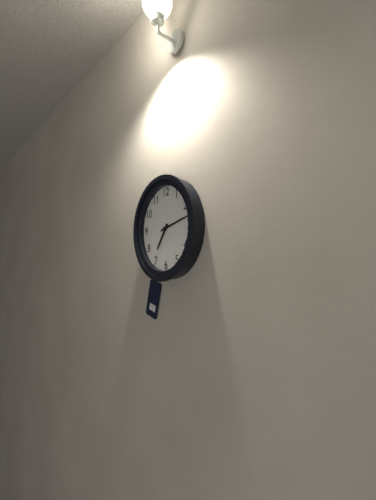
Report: 7:13
